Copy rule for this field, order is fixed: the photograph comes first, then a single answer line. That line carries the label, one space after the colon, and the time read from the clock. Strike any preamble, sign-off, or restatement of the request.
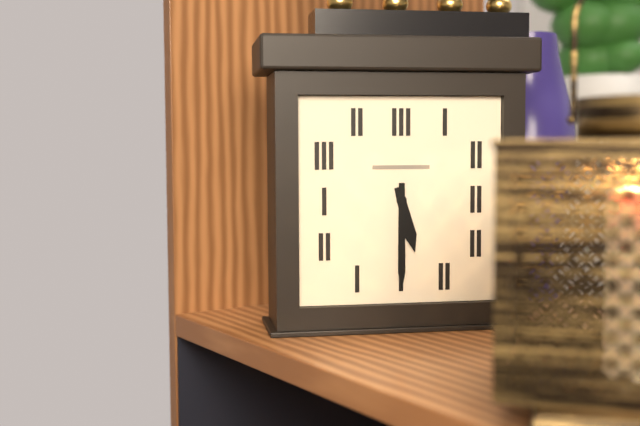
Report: 5:30
